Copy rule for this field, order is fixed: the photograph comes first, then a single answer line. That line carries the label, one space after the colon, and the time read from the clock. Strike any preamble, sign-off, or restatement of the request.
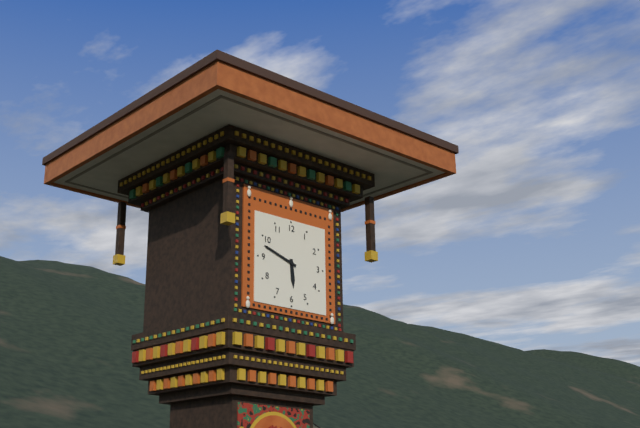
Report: 5:48
